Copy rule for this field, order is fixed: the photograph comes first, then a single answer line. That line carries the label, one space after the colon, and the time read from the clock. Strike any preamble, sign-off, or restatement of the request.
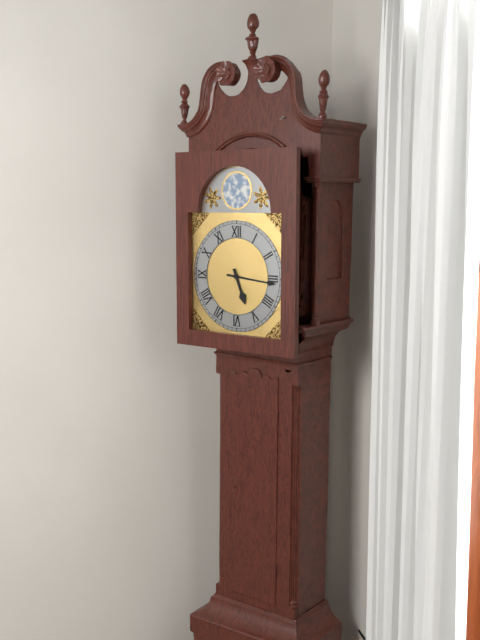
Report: 5:16
